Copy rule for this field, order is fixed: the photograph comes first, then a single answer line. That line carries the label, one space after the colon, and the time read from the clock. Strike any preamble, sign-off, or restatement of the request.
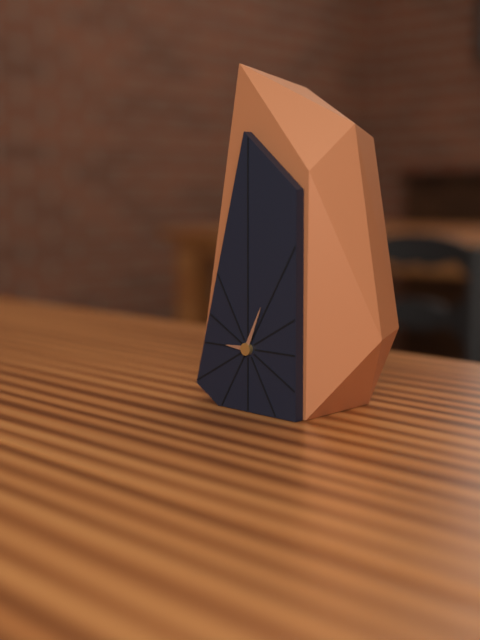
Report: 9:04
